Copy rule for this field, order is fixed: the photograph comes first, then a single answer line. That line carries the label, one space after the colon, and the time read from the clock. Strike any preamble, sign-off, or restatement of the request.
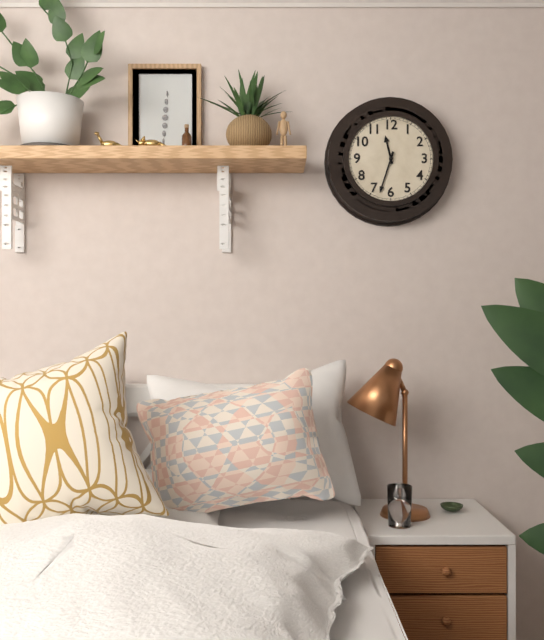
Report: 11:33
